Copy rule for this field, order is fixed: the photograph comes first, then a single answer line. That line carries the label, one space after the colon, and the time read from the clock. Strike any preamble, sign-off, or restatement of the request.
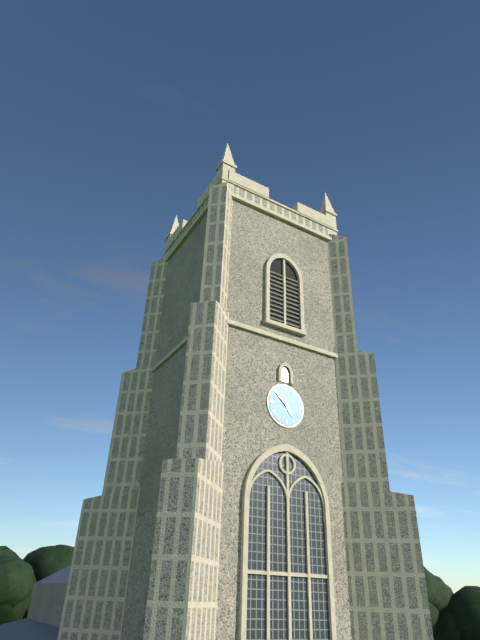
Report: 4:52
